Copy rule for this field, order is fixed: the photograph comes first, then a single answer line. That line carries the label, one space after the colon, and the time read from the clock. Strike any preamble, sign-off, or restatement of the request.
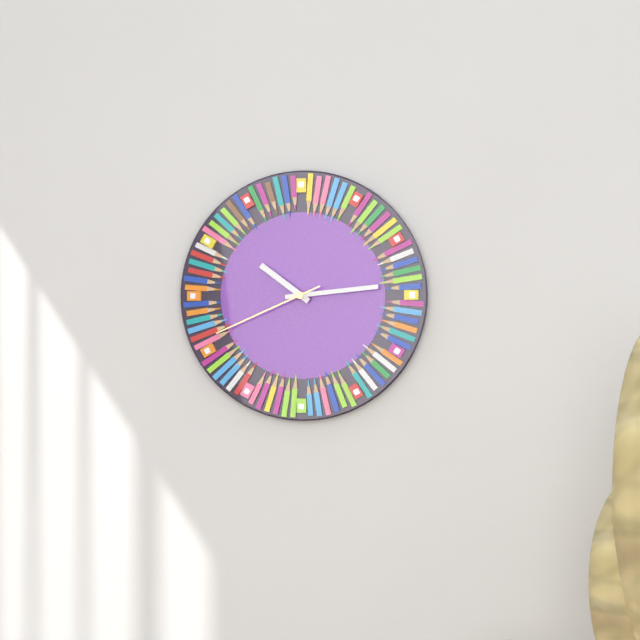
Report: 10:14:41
